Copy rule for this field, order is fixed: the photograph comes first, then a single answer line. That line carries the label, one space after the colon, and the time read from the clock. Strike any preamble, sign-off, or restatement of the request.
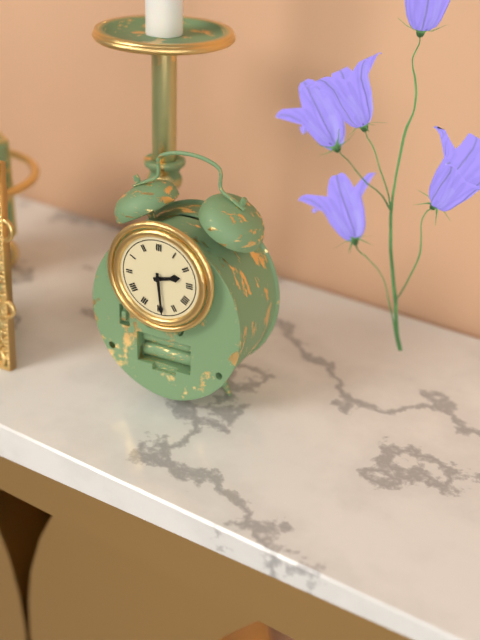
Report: 2:29
